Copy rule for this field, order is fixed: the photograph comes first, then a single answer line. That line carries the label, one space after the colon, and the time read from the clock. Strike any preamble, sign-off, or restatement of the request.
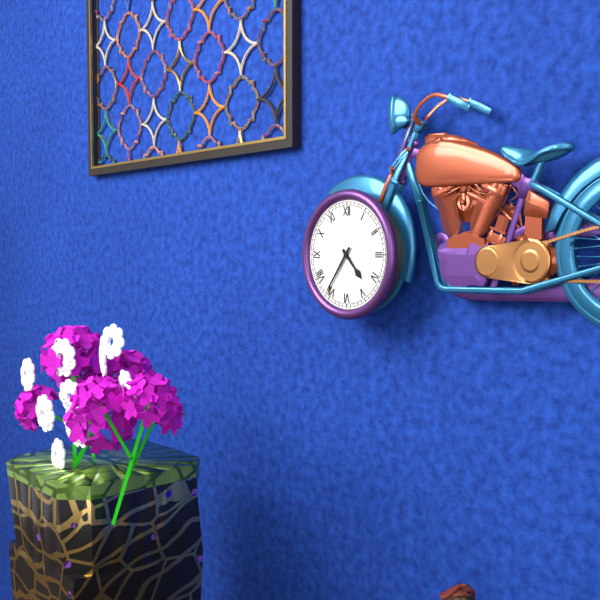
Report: 4:36
